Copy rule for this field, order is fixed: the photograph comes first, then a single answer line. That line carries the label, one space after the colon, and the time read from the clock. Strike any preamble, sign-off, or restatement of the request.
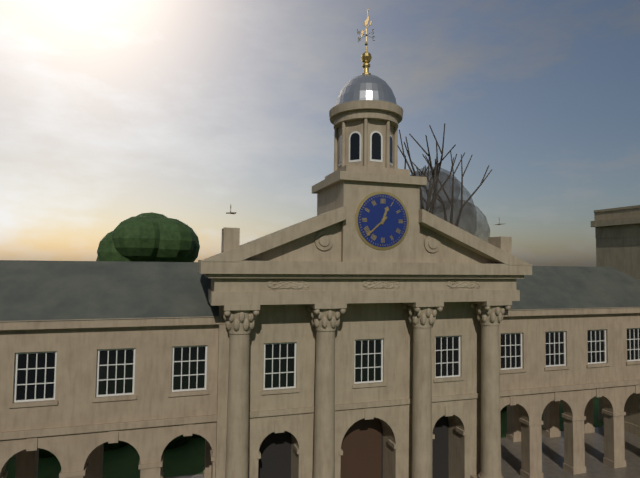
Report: 12:38
